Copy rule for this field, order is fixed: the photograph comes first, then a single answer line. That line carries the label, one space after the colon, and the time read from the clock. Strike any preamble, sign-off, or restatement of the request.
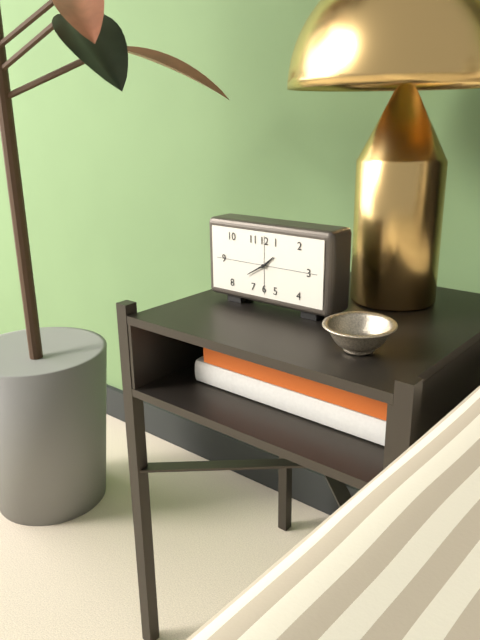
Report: 1:40
